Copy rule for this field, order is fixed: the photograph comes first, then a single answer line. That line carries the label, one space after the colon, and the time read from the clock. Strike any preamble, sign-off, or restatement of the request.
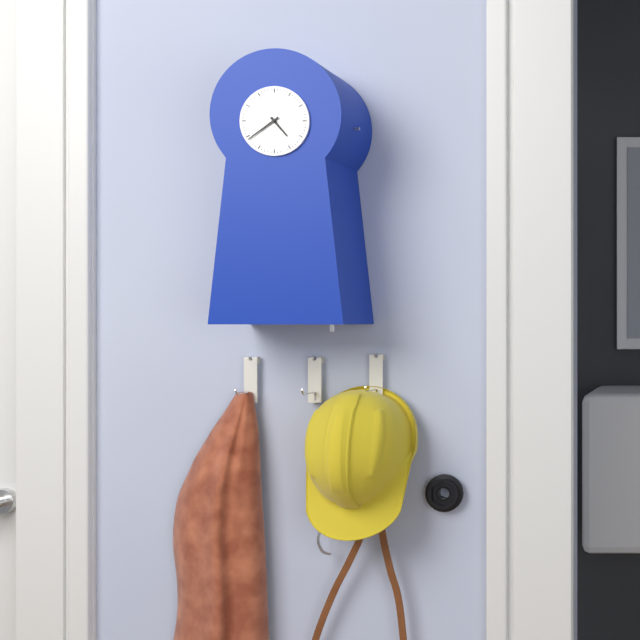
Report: 4:39
